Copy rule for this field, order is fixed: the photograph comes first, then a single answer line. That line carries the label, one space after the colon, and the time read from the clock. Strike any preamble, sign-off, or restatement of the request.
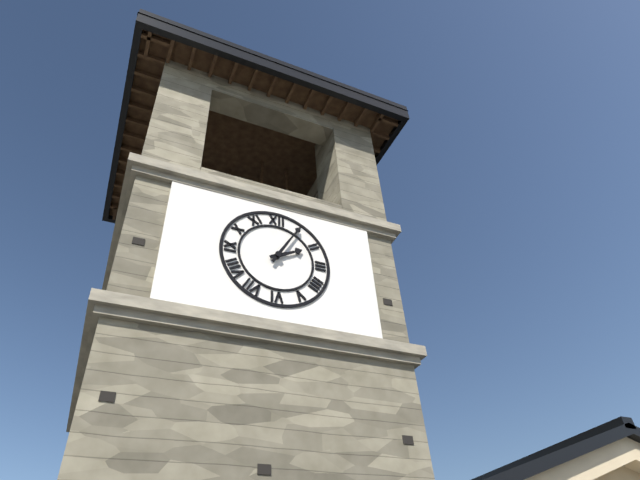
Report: 2:05
